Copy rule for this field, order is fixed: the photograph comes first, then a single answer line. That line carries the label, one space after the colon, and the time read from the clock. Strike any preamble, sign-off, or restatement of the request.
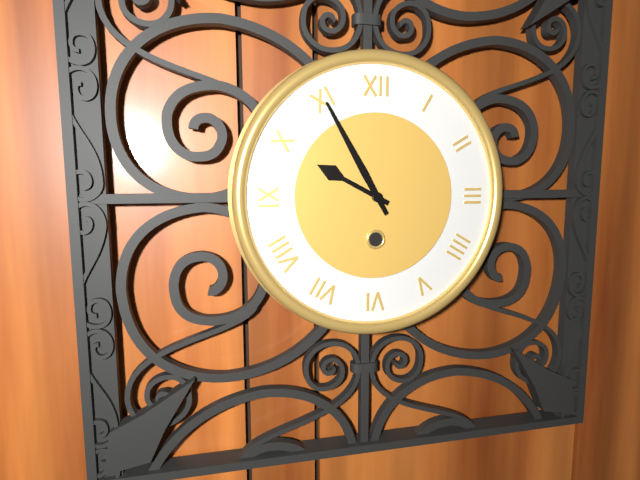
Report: 9:55
